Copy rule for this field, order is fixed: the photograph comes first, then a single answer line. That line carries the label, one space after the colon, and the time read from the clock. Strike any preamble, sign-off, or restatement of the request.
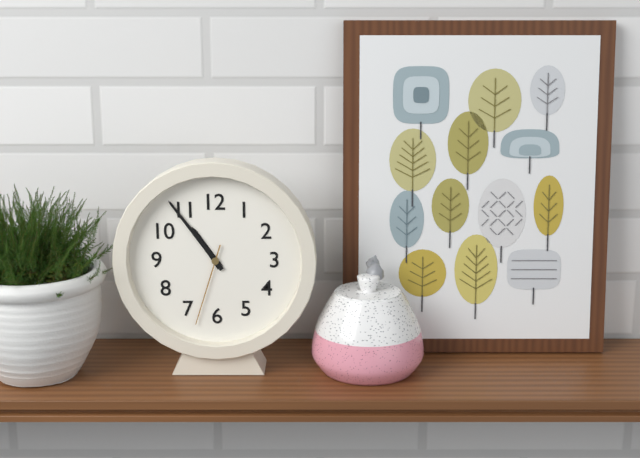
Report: 10:54:33
